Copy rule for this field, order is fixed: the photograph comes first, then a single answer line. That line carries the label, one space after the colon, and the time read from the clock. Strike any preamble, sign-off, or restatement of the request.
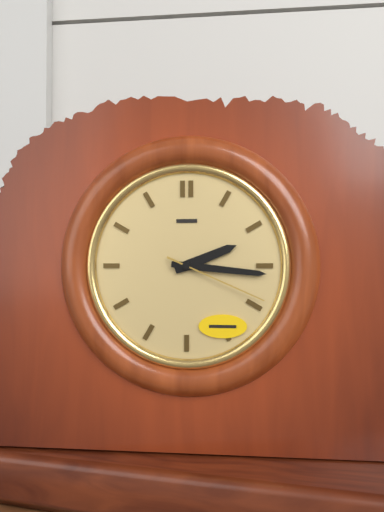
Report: 2:16:19
